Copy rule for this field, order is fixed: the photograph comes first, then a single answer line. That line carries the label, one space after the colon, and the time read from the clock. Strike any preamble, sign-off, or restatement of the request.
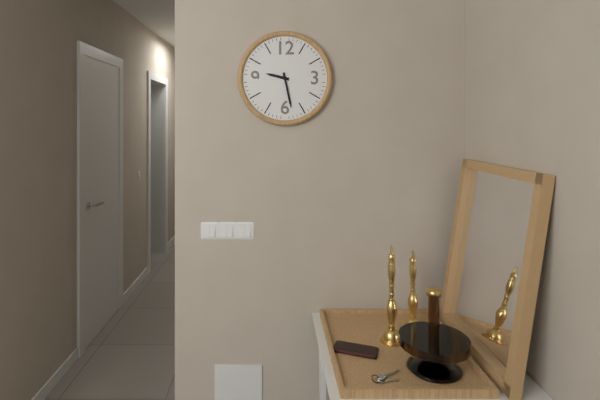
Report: 9:28
